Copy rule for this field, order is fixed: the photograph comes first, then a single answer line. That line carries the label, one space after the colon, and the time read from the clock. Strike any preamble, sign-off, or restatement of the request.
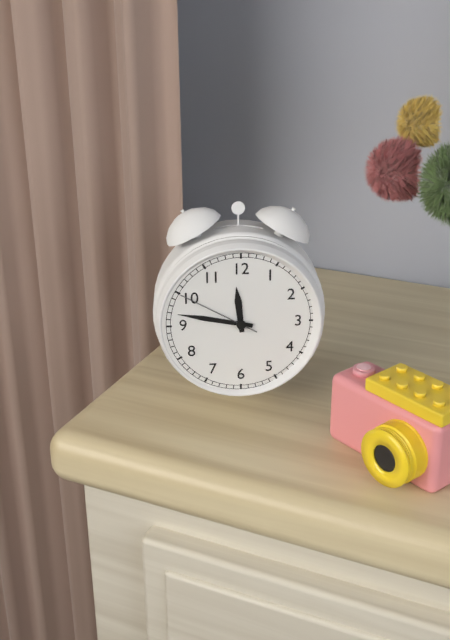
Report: 11:47:50
